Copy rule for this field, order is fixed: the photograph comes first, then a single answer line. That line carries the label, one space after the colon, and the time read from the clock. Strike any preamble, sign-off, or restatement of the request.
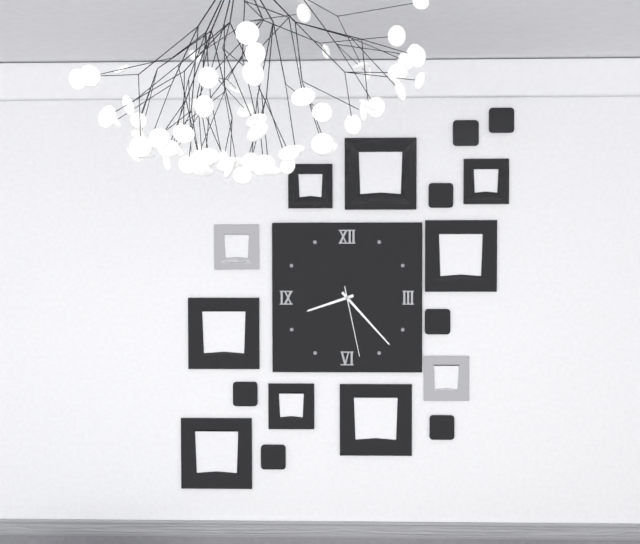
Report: 8:23:28
